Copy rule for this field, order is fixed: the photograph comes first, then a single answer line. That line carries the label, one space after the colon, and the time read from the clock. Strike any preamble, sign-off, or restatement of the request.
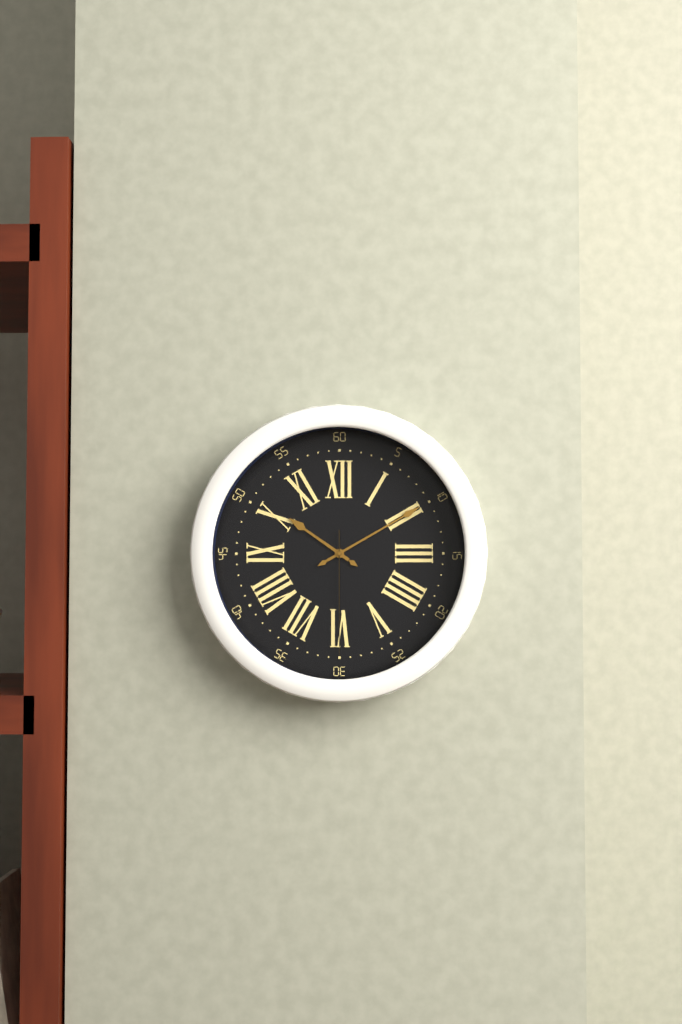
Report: 10:10:30
